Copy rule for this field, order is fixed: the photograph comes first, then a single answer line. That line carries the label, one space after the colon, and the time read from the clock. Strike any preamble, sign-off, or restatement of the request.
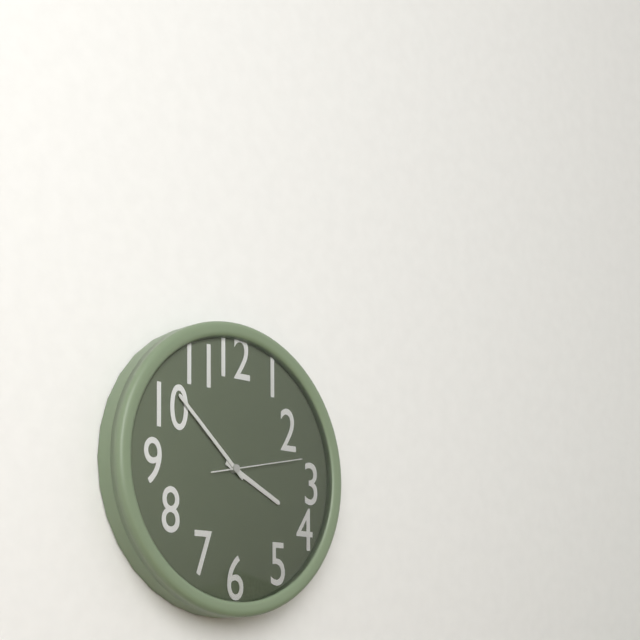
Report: 3:52:13
